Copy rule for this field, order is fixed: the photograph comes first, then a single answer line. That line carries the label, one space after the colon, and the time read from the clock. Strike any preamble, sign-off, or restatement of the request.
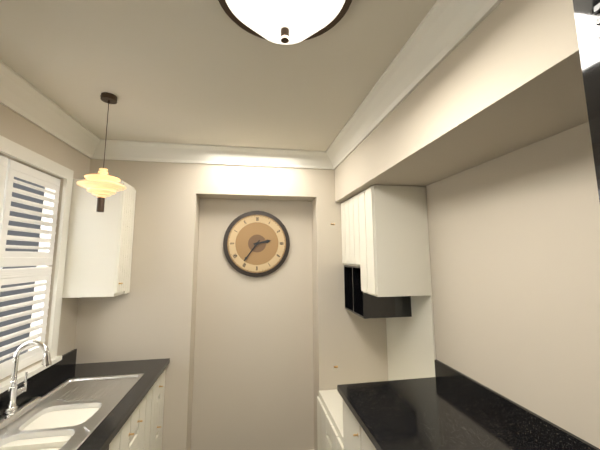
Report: 2:36
